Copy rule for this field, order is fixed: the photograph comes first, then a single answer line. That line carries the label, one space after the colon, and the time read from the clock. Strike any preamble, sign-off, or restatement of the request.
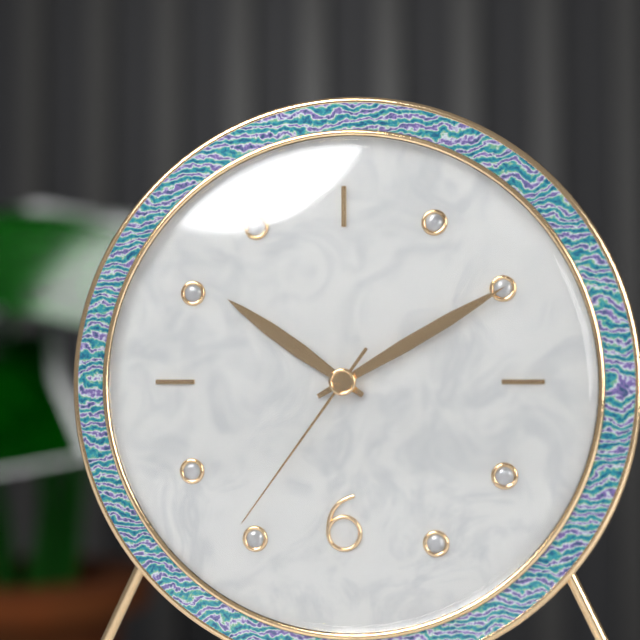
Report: 10:10:36
